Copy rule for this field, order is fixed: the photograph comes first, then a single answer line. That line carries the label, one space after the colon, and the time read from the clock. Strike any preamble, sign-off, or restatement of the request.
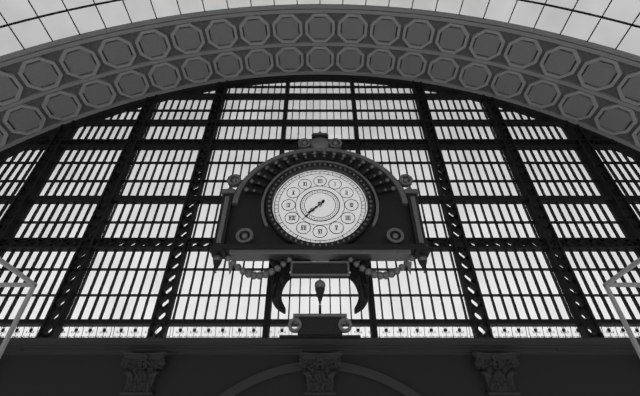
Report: 7:37
